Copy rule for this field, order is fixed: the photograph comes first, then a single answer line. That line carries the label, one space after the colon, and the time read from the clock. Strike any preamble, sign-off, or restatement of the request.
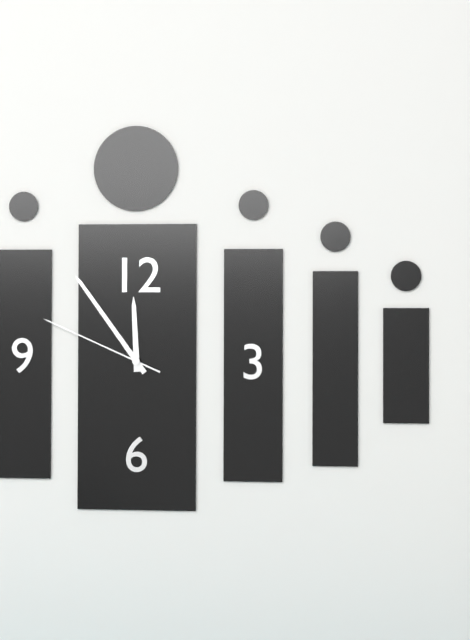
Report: 11:54:49
